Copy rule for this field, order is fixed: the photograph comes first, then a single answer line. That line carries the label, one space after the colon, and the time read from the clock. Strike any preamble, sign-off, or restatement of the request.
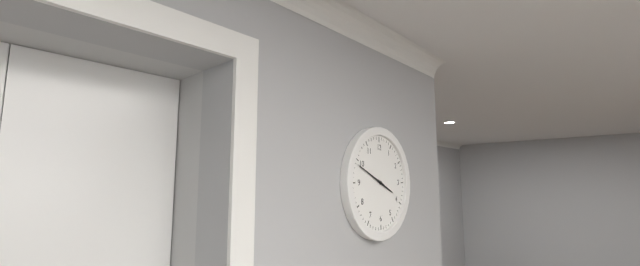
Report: 3:49
